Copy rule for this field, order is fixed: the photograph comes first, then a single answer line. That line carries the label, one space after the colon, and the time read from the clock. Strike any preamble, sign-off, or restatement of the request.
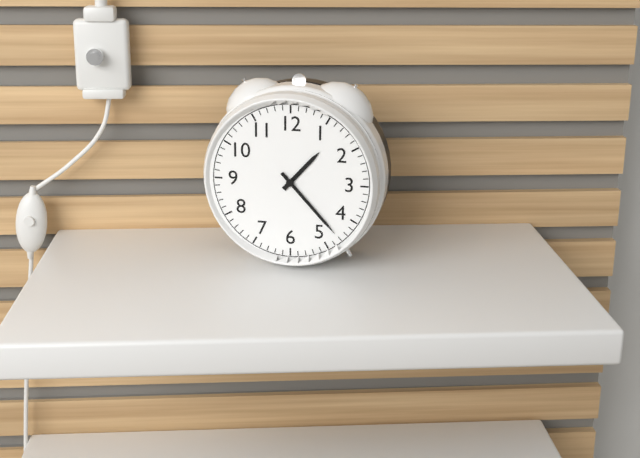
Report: 1:23
